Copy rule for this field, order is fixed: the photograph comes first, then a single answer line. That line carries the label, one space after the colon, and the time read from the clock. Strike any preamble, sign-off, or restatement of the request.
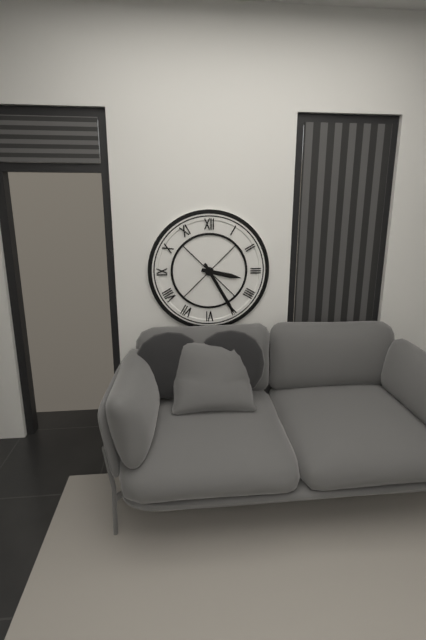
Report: 3:25
